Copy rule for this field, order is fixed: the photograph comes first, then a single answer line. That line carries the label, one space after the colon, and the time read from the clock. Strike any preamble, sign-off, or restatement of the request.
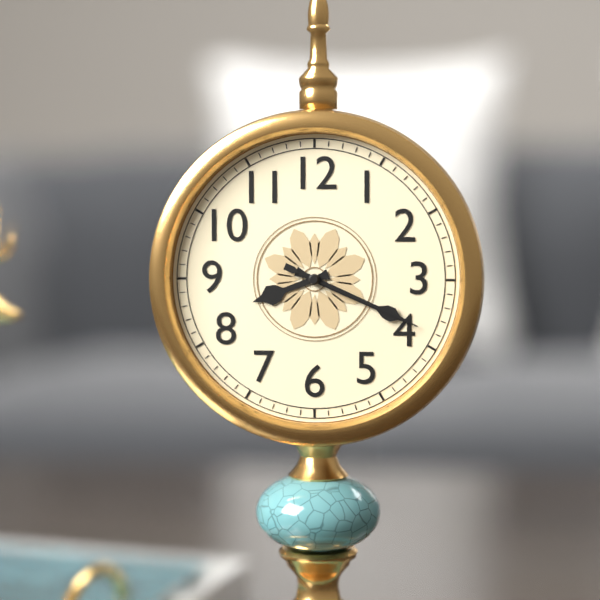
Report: 8:19:19
